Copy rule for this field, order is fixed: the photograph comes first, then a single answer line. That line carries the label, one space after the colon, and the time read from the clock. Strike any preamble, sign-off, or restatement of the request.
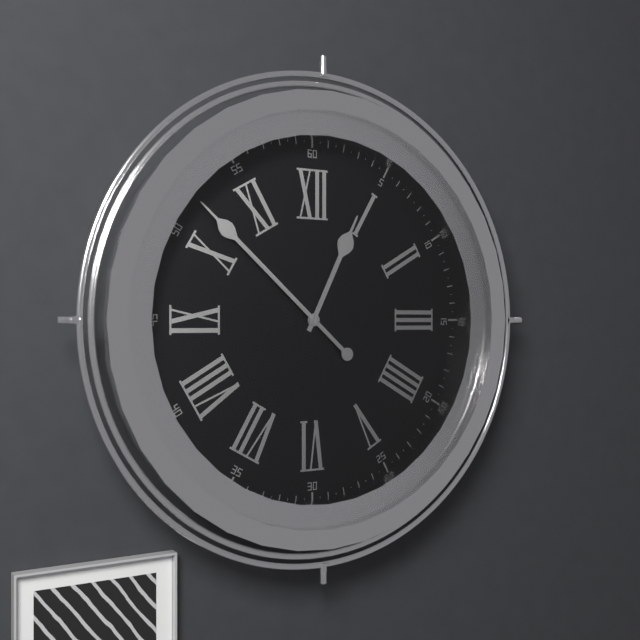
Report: 12:52
